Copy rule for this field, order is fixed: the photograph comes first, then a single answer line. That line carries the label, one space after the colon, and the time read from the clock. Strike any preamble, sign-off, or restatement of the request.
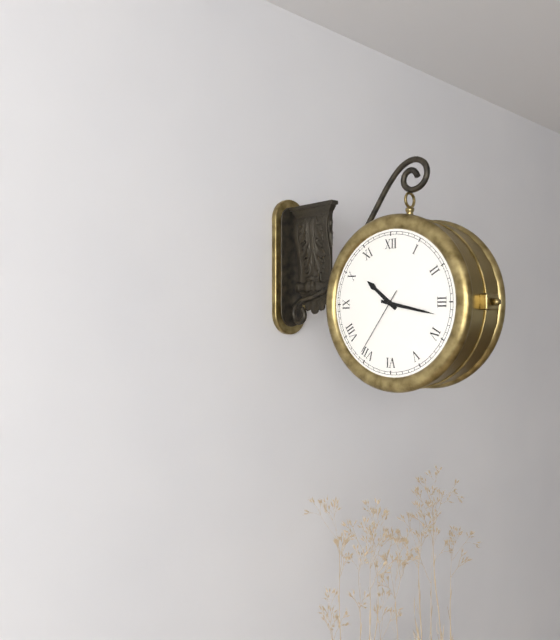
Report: 10:17:36
